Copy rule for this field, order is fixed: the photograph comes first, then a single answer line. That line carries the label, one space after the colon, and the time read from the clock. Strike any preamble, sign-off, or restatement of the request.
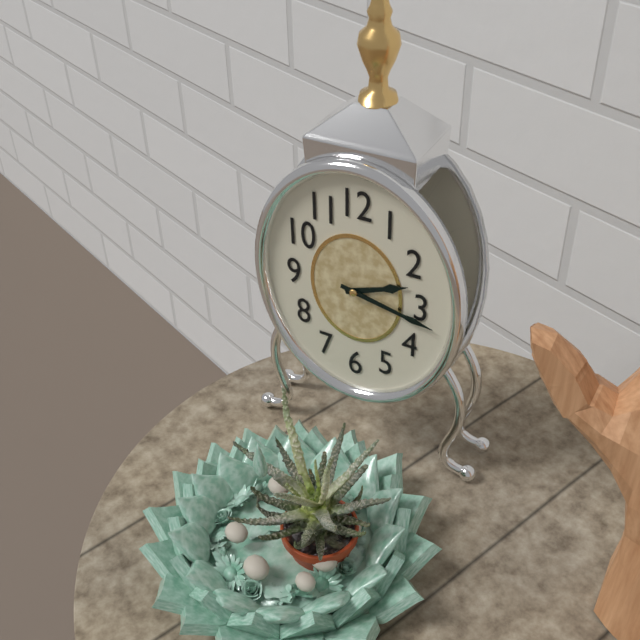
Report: 2:17
